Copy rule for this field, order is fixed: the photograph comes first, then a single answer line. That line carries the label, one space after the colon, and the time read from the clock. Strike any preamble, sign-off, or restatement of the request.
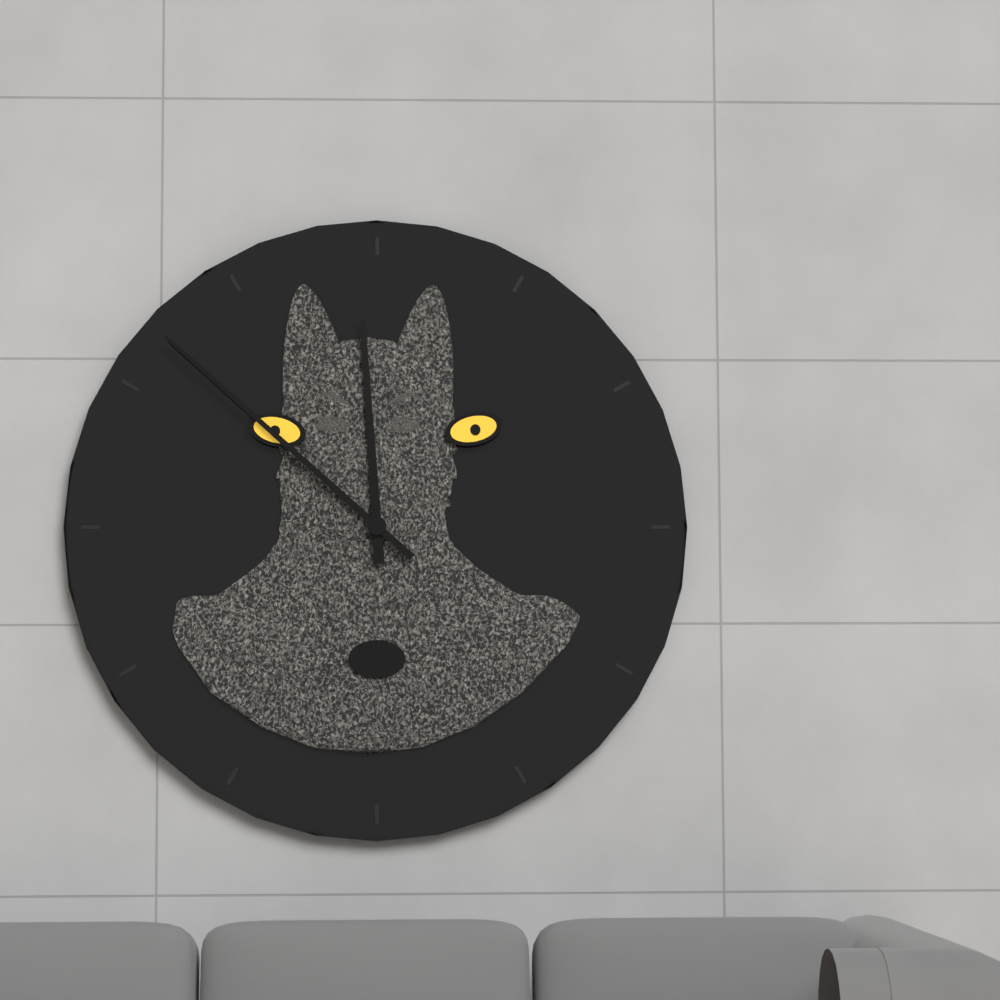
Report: 11:52
